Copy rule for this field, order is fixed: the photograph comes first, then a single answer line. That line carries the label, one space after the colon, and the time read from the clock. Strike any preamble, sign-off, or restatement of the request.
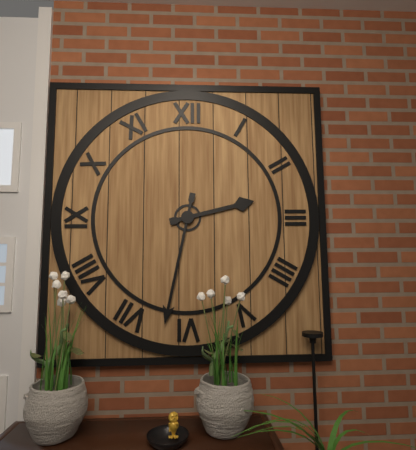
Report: 2:32
